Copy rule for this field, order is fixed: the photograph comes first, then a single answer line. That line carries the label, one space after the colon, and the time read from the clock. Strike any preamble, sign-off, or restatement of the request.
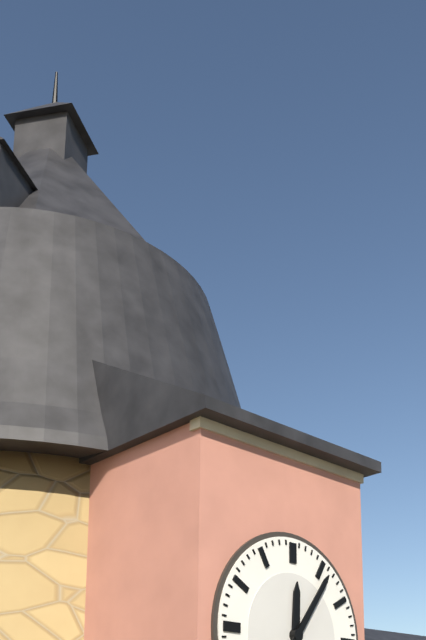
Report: 12:06
